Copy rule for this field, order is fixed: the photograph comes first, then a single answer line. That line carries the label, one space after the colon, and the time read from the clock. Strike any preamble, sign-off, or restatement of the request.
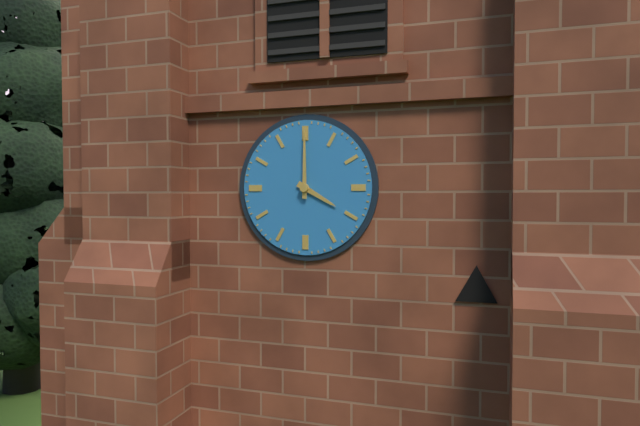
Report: 4:00
